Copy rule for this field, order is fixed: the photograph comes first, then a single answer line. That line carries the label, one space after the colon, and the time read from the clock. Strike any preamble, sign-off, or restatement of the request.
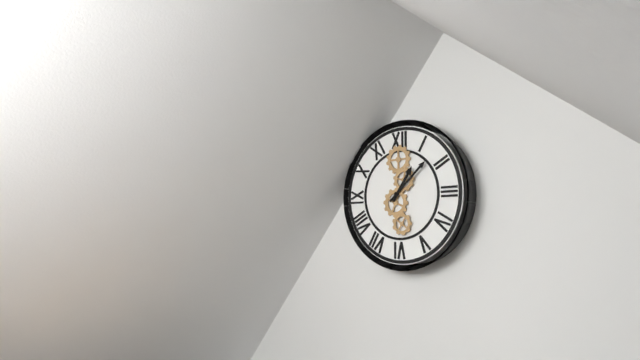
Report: 1:08
